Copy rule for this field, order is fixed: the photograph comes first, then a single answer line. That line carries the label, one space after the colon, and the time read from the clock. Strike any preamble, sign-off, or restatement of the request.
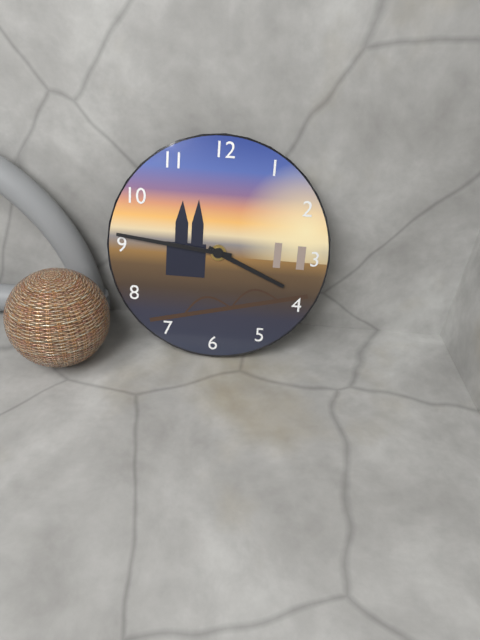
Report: 3:46
